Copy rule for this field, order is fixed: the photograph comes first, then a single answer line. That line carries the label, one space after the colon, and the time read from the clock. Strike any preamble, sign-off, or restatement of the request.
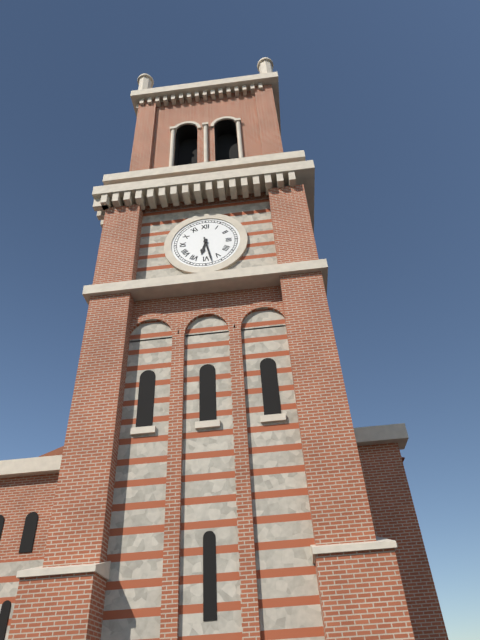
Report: 6:28
